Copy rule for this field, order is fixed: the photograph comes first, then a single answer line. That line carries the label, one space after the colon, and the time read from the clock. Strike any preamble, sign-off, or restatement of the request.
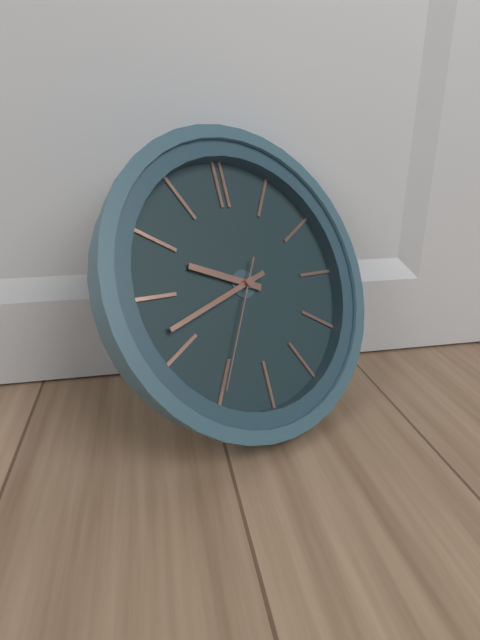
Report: 9:42:35
